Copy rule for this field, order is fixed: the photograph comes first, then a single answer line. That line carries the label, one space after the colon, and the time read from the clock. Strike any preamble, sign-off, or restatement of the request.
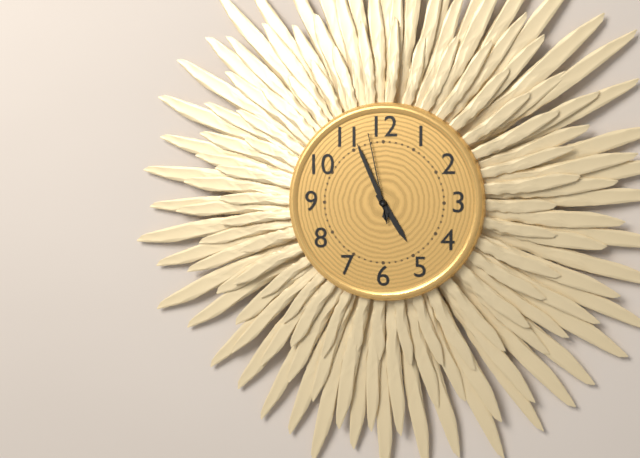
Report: 4:56:58
